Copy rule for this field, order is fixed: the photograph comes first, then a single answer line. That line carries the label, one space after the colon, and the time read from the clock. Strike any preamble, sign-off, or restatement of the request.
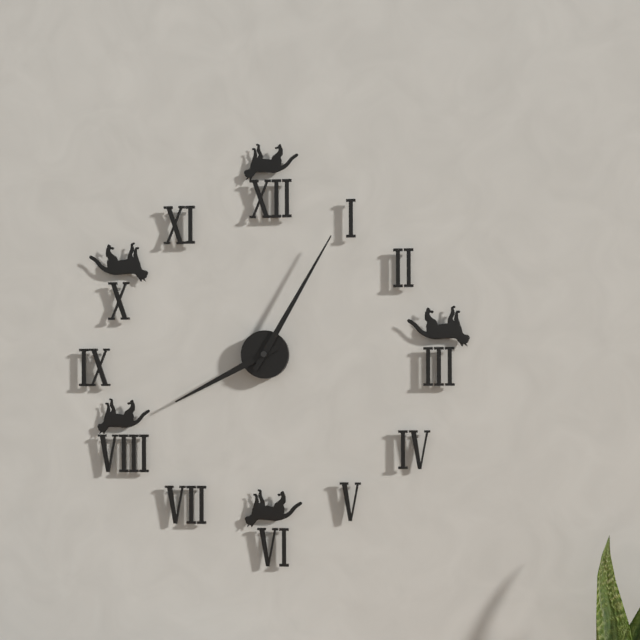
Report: 8:05
